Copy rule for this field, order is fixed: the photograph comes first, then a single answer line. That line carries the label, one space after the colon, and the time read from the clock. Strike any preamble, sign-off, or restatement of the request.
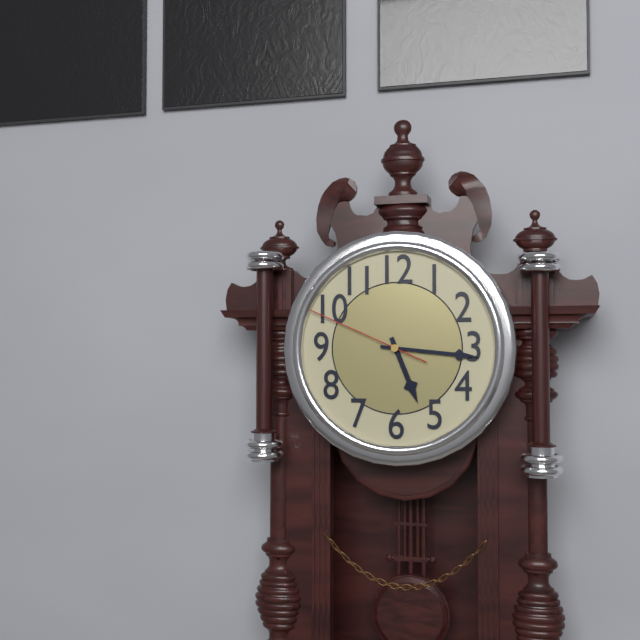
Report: 5:16:49
